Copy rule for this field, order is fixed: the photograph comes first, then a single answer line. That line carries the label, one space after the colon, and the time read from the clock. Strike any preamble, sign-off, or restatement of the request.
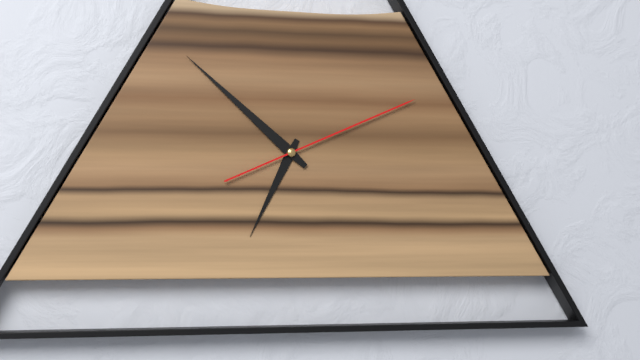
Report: 6:52:11
